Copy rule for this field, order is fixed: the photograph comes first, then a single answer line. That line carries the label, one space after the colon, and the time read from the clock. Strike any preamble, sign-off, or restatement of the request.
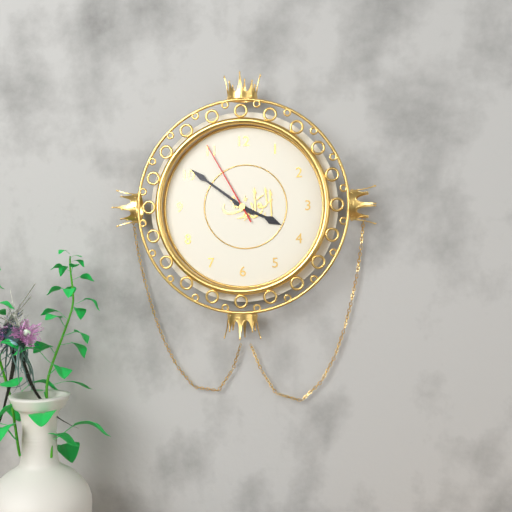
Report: 3:51:55
